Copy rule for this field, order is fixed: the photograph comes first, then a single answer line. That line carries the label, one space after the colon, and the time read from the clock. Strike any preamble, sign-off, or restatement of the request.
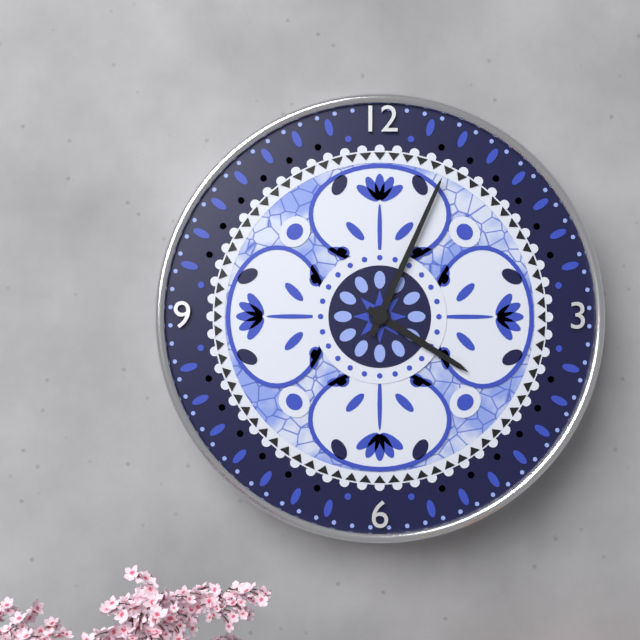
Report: 4:04
